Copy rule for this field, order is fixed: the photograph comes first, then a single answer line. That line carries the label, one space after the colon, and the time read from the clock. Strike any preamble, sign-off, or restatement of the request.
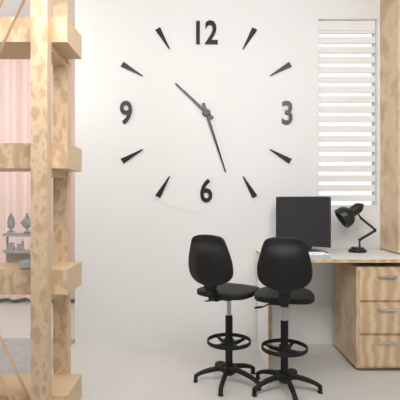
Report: 10:27
